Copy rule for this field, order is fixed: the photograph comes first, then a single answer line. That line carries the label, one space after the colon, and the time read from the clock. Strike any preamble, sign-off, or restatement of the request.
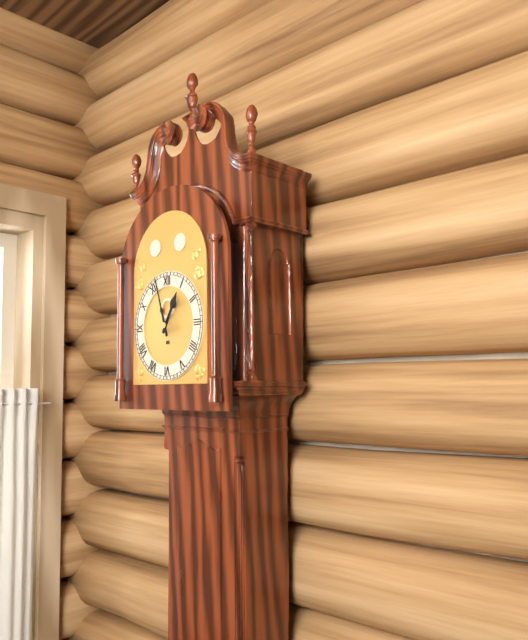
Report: 12:57
